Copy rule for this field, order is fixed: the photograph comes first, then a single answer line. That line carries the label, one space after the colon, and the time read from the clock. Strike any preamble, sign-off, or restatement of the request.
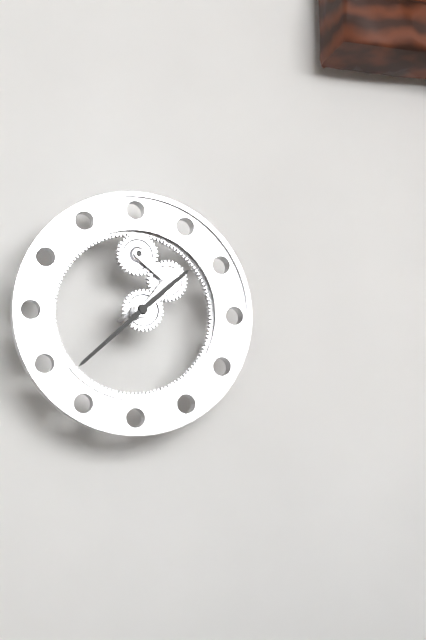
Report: 1:38
